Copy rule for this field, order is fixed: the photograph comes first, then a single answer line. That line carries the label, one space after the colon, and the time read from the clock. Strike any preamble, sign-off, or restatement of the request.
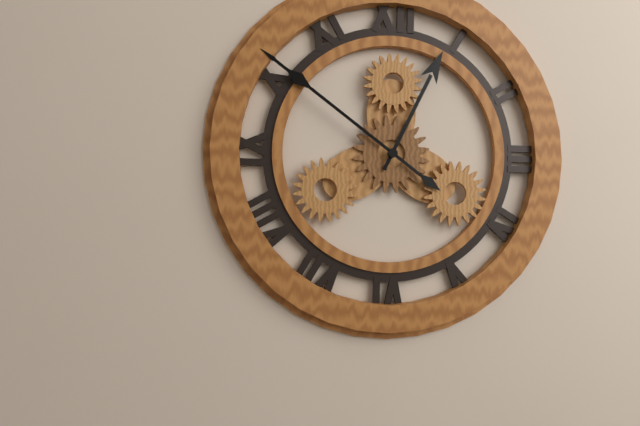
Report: 12:51
